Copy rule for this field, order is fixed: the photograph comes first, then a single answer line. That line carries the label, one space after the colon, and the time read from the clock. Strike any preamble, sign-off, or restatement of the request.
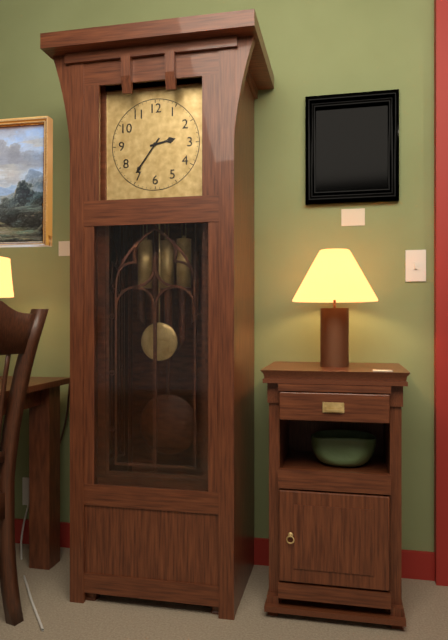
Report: 2:36
